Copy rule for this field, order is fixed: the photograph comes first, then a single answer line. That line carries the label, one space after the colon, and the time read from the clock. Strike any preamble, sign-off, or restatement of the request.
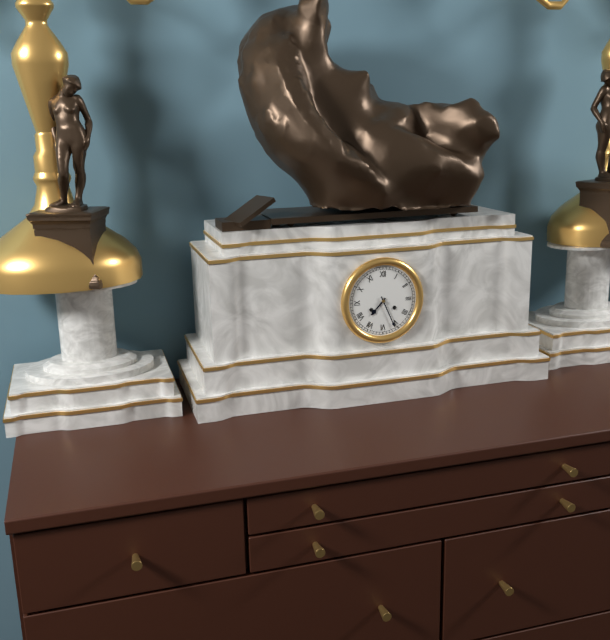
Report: 7:26
